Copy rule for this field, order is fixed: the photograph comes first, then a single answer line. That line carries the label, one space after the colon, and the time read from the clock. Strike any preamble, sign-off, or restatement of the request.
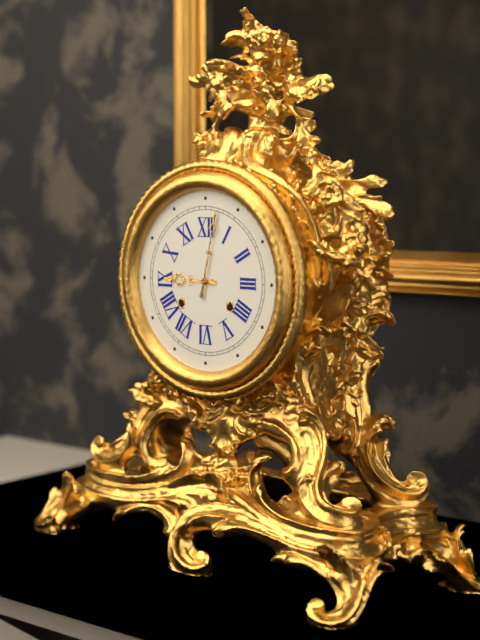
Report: 9:02
